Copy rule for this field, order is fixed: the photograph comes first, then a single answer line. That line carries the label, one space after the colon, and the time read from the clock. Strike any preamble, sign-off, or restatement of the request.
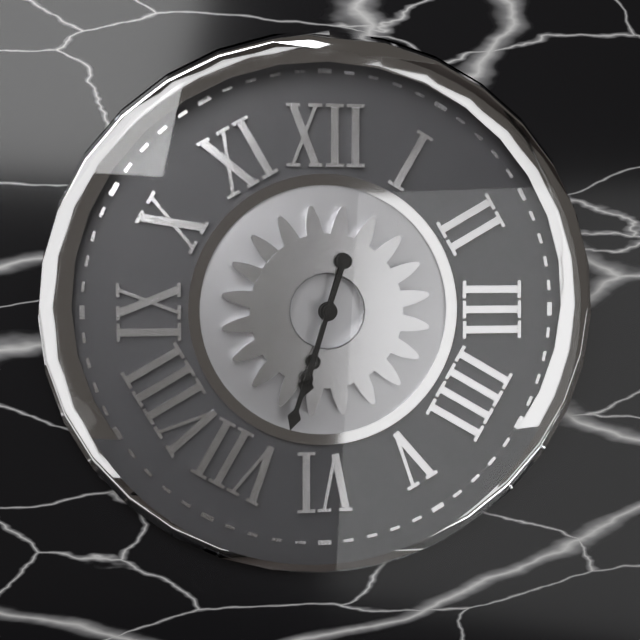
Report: 6:33
